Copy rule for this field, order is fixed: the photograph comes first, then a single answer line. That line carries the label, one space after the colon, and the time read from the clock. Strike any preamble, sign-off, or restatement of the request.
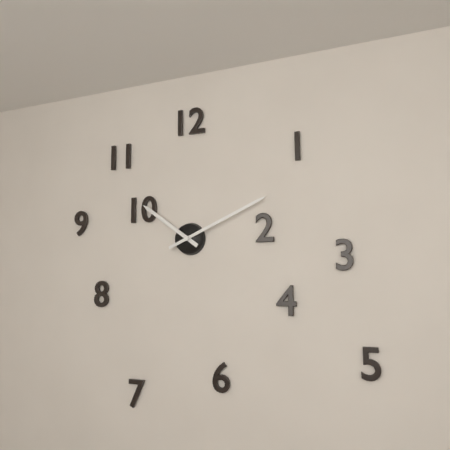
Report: 10:11
